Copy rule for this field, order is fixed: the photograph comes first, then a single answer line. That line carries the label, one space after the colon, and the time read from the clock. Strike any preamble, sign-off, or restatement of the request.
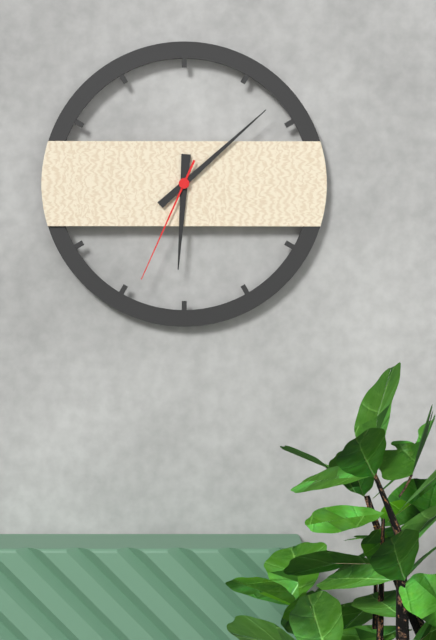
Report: 6:08:34
